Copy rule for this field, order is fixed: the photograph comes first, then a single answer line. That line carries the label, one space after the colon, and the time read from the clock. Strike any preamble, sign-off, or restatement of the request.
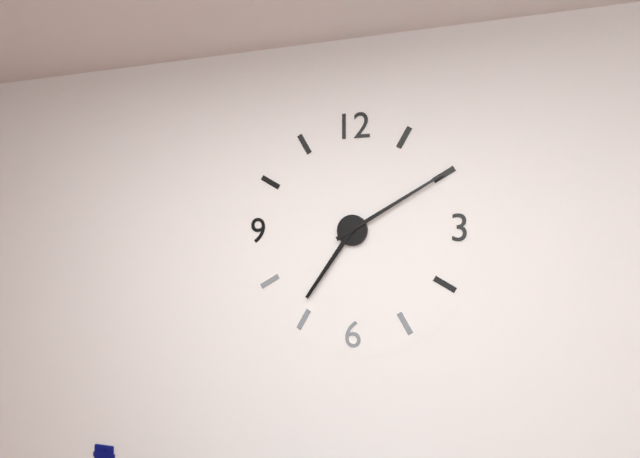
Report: 7:10
